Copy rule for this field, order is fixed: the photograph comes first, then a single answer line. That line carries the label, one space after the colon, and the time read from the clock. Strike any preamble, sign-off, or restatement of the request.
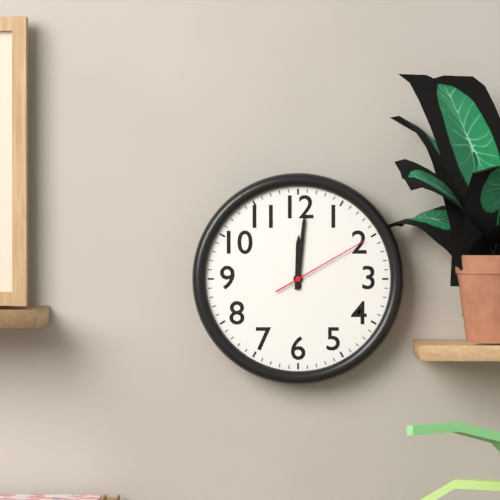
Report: 12:01:10
